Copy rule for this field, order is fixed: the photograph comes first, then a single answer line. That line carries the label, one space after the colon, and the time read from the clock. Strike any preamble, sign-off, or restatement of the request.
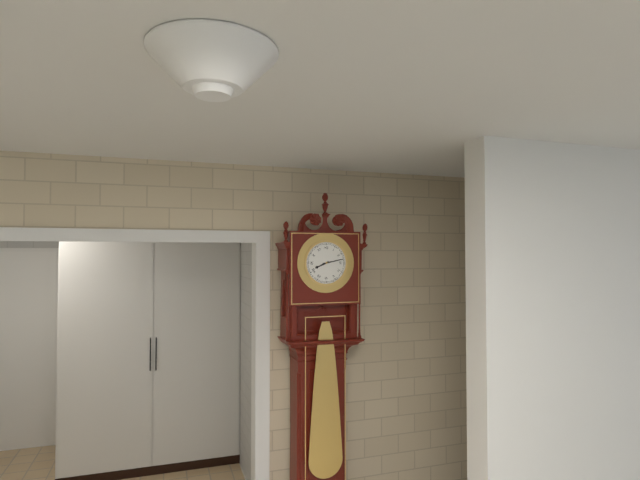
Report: 8:13
